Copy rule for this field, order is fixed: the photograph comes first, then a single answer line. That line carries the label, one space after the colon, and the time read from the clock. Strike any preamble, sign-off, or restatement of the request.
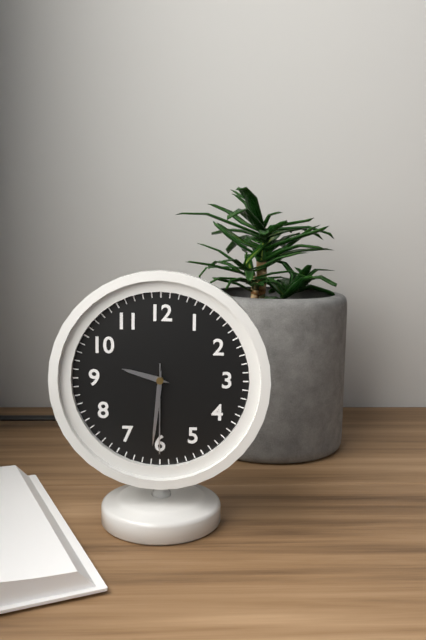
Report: 9:31:30
